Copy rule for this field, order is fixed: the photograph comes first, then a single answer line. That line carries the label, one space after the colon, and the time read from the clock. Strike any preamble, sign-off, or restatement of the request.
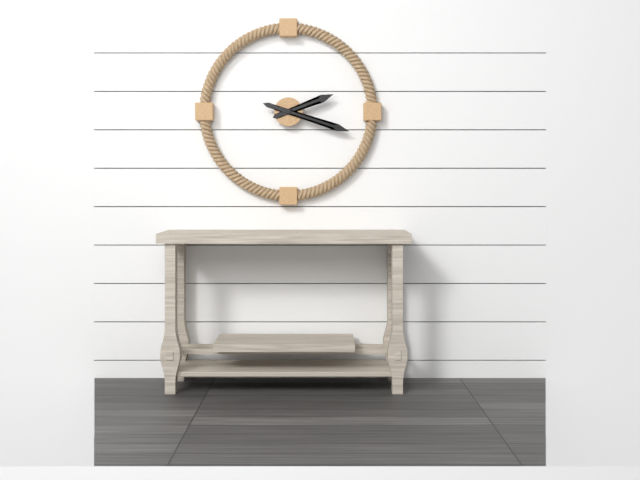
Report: 2:18
